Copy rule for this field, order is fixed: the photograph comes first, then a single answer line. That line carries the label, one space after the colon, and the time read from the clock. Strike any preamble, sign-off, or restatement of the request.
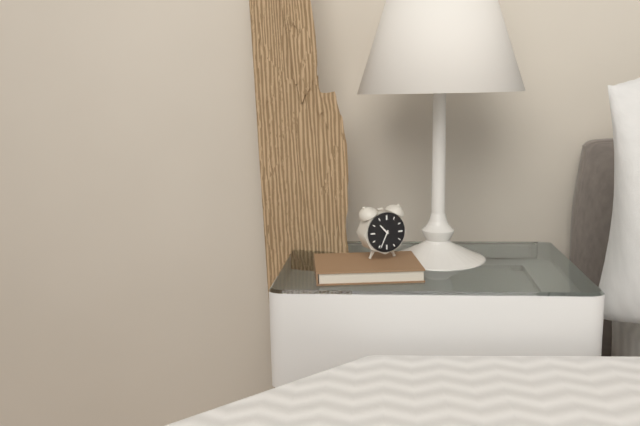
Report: 10:34
